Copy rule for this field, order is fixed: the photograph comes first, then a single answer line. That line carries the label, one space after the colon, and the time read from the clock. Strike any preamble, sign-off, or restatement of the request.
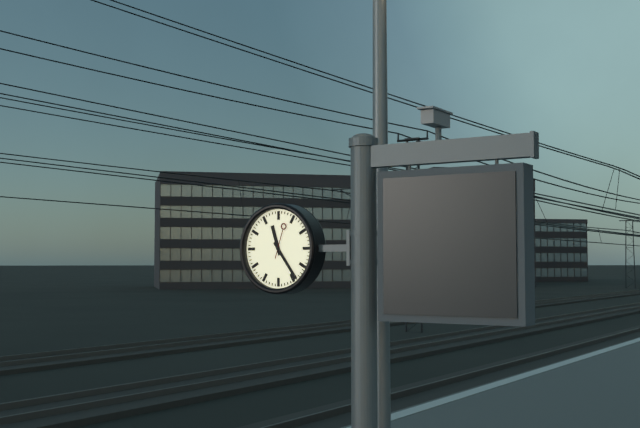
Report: 11:24
